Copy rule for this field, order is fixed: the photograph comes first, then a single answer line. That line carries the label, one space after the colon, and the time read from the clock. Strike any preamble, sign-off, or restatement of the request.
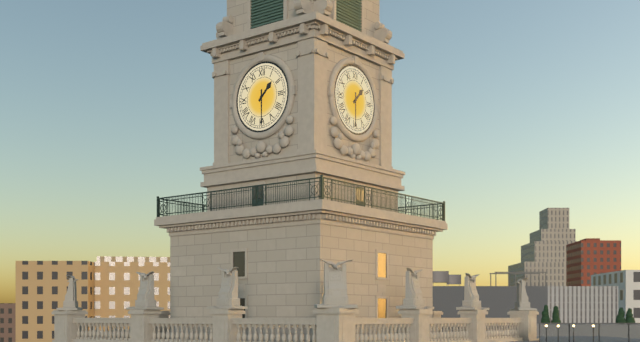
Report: 1:30
